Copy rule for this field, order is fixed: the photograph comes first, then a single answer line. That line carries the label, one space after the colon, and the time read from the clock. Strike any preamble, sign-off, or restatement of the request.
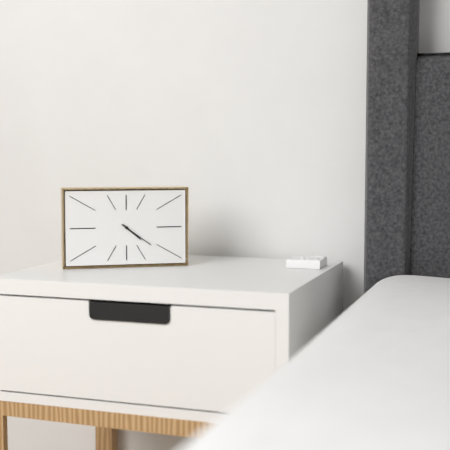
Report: 4:21
